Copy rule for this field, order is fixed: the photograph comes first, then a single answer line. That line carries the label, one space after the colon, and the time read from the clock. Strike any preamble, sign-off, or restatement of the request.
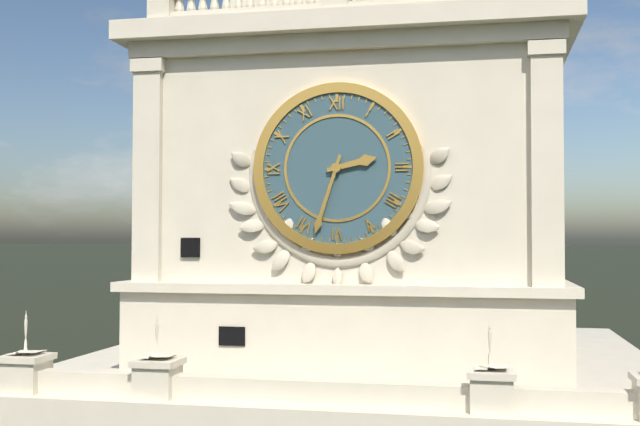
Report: 2:33
